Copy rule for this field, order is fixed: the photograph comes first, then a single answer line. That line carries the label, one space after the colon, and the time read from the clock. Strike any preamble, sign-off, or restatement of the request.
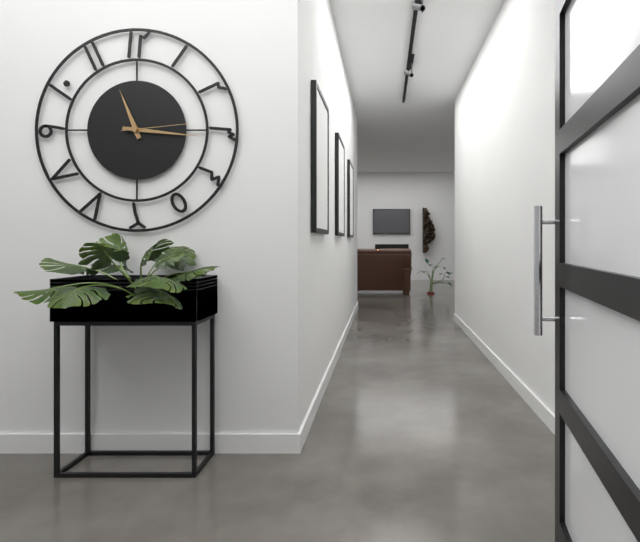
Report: 11:16:14
